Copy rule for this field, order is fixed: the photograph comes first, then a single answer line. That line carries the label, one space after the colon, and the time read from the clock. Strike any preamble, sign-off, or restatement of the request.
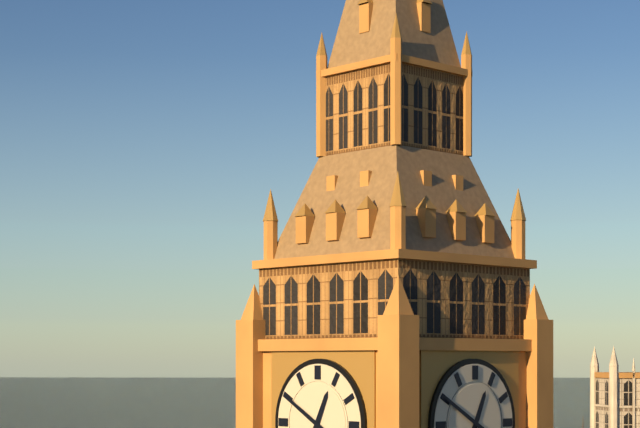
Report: 12:50
